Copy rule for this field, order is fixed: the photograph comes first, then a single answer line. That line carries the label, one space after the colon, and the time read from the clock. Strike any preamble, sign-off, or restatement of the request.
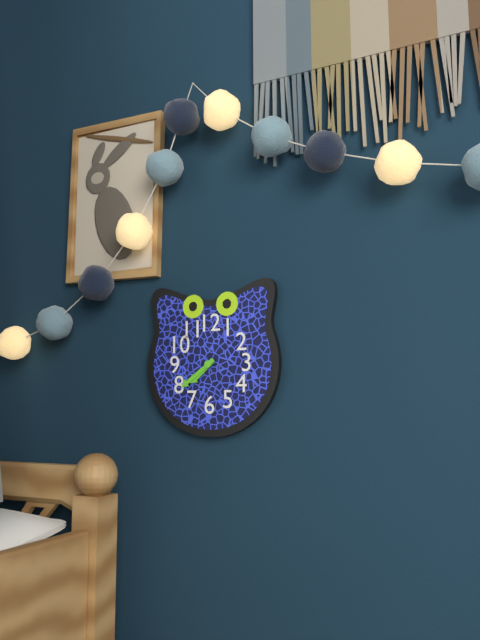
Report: 7:39
